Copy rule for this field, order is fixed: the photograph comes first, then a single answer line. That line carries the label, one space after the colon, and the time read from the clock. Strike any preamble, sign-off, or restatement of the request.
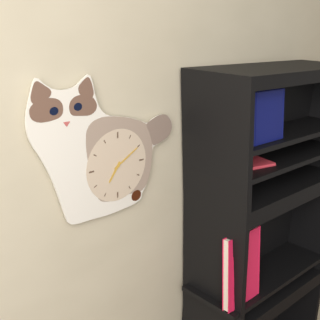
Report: 7:10
